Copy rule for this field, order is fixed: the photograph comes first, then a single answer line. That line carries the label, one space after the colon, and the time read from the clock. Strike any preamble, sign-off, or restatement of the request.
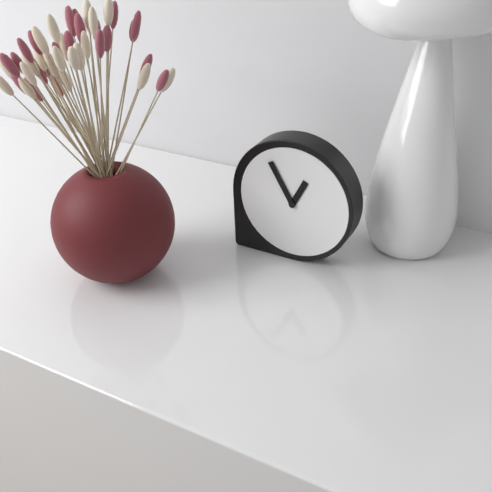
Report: 12:55
